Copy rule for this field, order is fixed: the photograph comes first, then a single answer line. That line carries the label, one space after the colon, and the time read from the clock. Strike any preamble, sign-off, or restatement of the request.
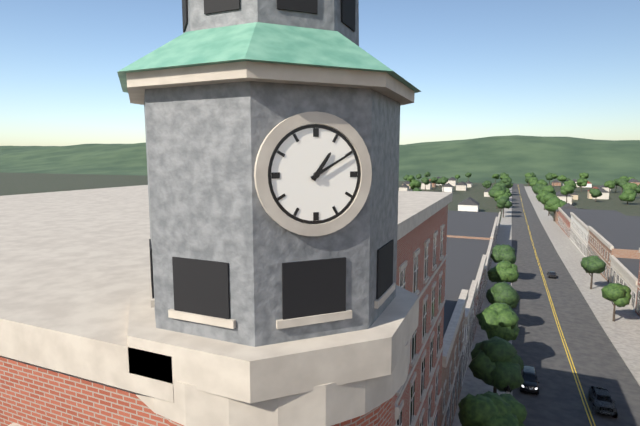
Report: 1:10
